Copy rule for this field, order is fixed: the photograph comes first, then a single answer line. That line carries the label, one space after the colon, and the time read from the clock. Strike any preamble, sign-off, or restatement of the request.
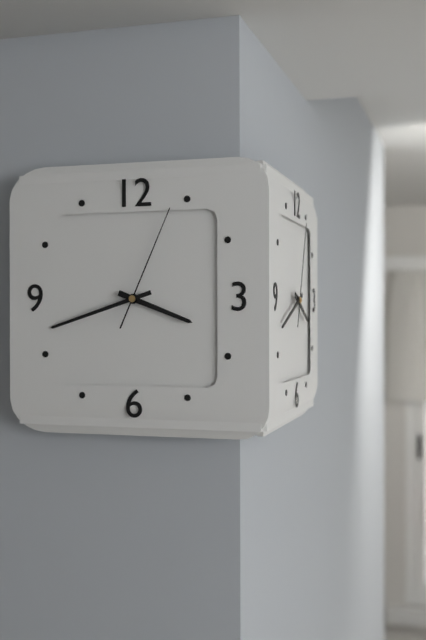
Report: 3:42:04
